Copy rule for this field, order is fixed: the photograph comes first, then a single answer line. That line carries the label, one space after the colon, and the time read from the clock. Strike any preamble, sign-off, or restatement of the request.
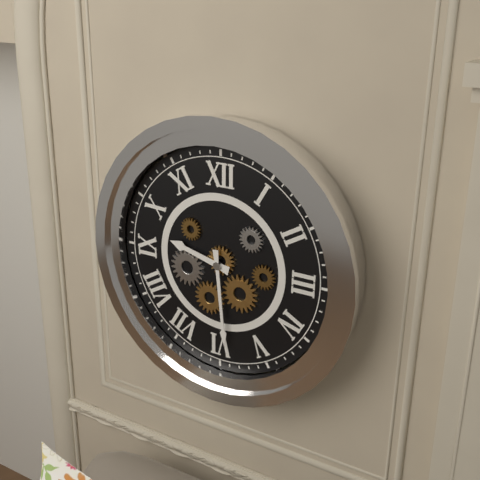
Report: 9:29
